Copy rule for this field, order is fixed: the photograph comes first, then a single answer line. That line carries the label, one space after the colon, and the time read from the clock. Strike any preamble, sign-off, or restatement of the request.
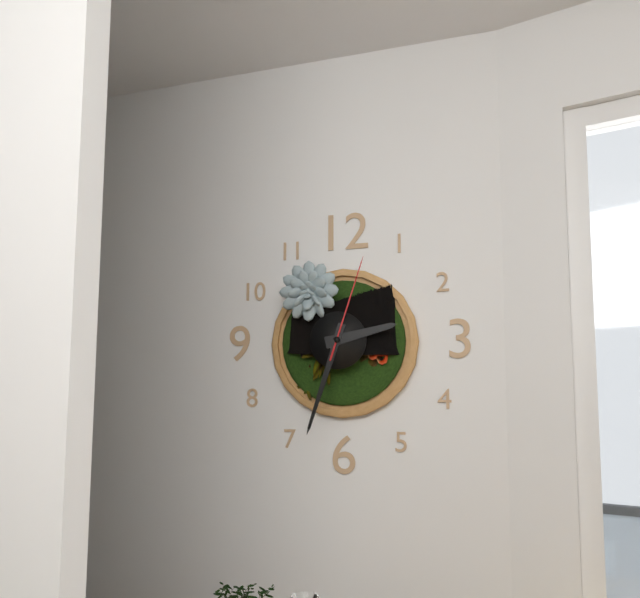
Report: 2:33:03
